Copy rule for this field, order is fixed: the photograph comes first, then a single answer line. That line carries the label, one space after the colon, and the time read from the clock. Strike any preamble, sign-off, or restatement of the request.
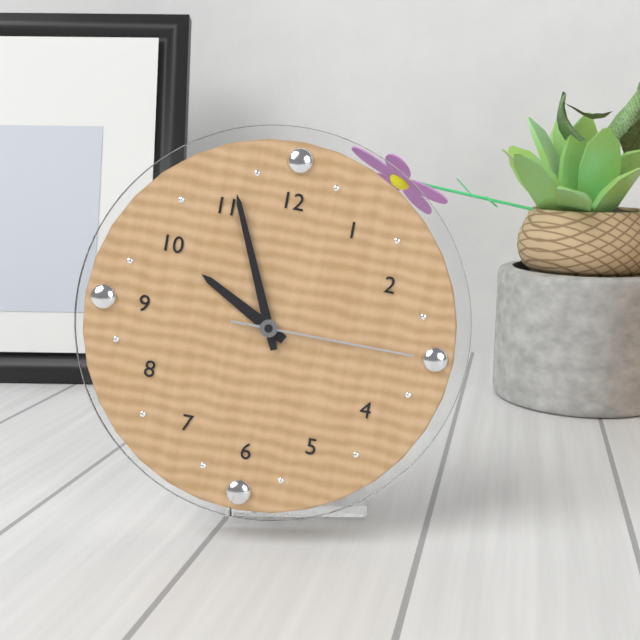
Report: 9:56:15
